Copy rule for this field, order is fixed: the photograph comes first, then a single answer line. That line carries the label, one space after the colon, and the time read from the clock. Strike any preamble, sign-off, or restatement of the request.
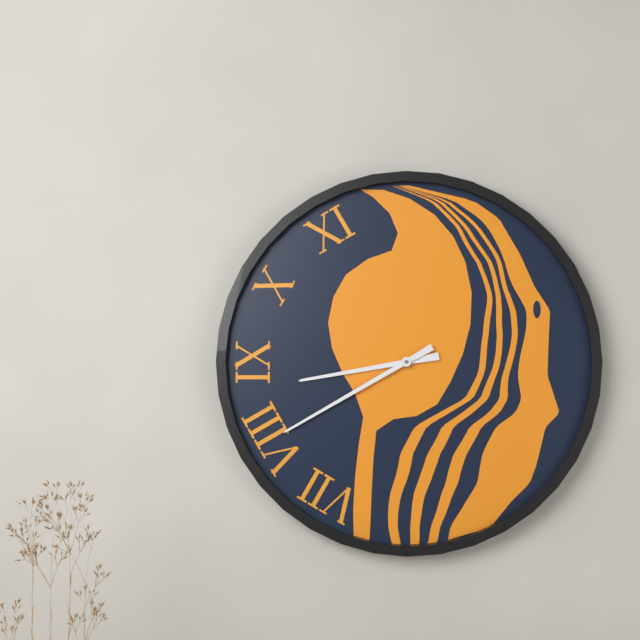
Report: 8:40
